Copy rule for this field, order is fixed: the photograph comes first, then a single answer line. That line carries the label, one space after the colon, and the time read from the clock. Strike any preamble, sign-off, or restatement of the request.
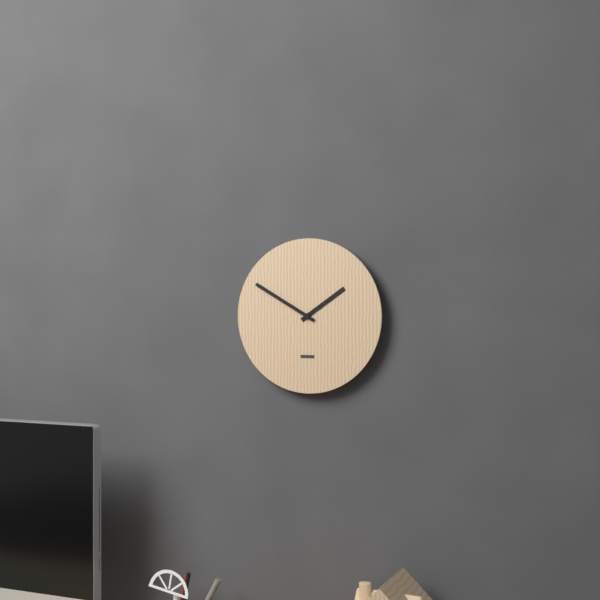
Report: 1:50
